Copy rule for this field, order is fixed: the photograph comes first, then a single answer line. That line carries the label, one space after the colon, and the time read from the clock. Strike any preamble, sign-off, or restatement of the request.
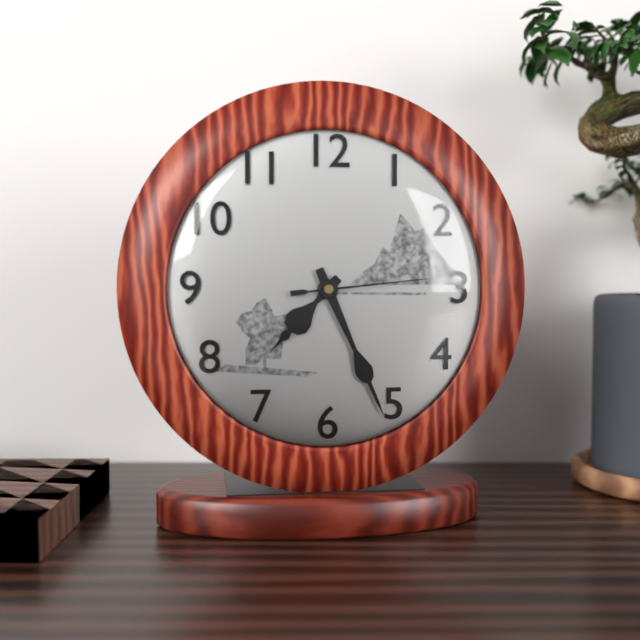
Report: 7:26:14
